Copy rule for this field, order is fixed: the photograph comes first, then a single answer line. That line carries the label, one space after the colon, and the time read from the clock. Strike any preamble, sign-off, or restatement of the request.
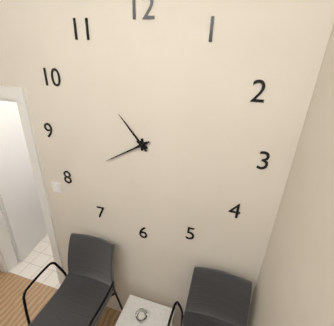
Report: 10:40
